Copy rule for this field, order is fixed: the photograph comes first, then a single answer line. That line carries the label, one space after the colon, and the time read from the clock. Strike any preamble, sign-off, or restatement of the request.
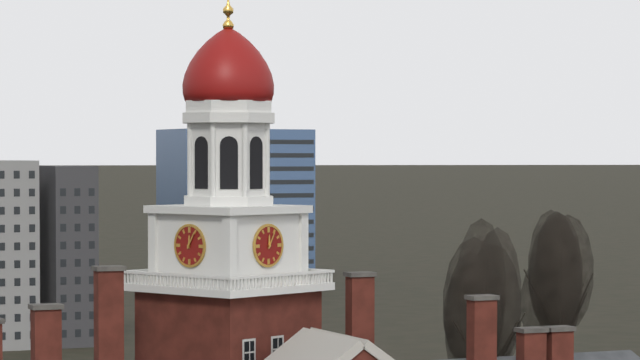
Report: 12:05
